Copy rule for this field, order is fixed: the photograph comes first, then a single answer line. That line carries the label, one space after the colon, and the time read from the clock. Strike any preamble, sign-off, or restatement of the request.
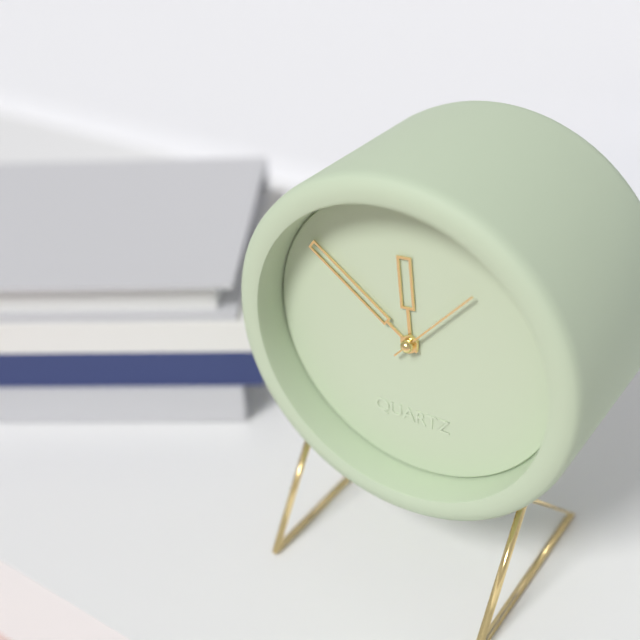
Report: 11:51:07
